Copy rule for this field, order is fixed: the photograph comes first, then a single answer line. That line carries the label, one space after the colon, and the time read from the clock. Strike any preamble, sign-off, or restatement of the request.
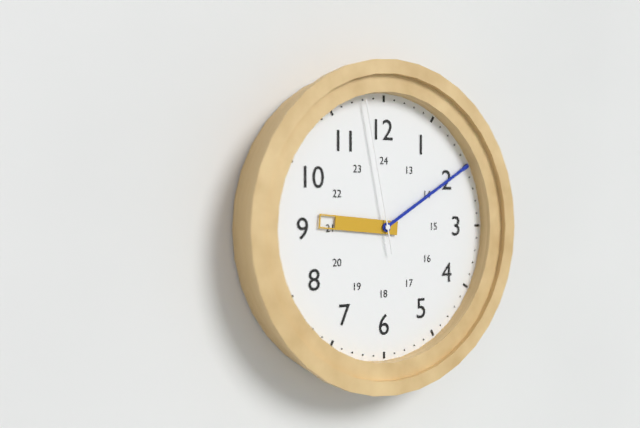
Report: 9:10:58
